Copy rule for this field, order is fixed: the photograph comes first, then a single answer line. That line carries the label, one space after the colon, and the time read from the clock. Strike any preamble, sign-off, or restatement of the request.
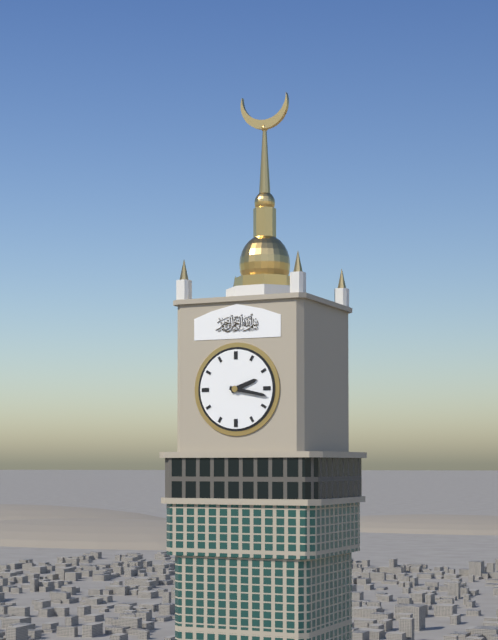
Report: 2:17
